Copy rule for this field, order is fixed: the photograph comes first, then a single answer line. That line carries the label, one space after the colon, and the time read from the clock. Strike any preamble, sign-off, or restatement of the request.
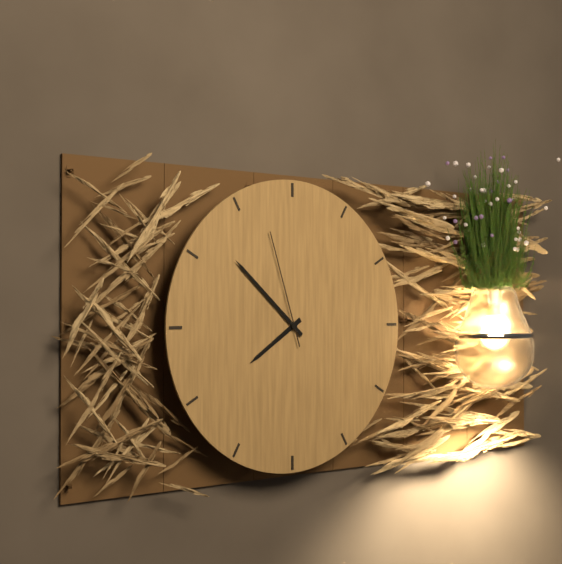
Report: 7:52:57
